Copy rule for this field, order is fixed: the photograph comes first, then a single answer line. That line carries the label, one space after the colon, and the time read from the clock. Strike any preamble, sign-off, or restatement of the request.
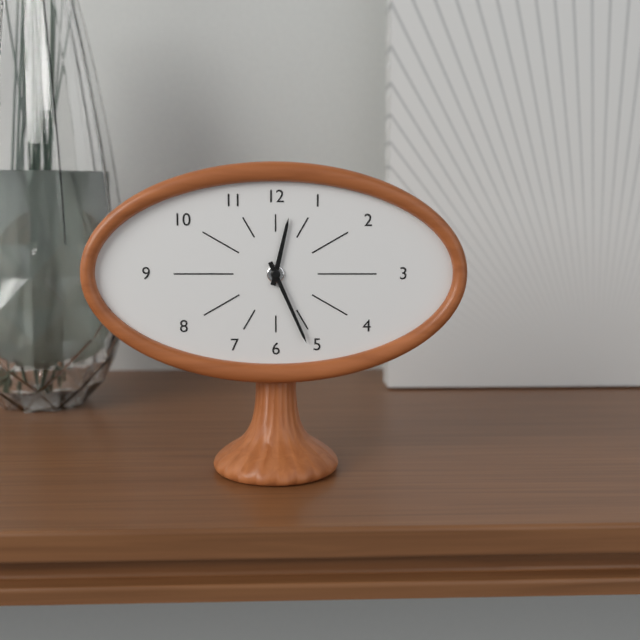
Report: 12:26
